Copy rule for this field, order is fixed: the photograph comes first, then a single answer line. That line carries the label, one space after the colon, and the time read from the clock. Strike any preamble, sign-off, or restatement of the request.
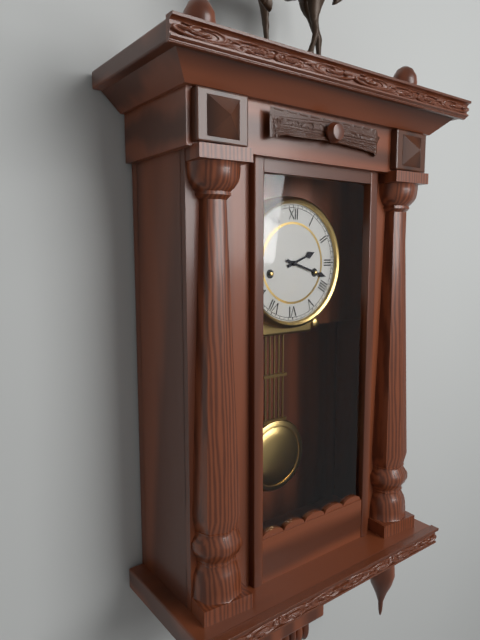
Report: 2:18
